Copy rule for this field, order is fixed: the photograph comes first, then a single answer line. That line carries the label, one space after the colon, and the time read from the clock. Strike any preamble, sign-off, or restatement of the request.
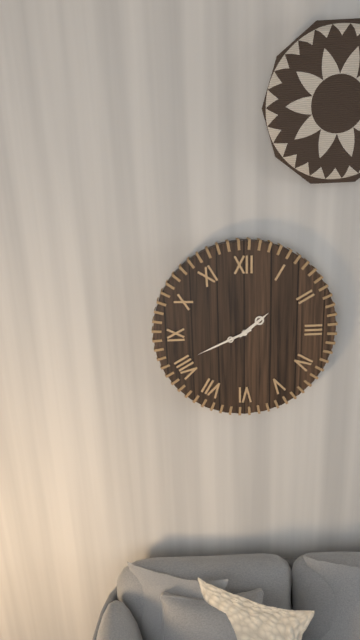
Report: 1:41
